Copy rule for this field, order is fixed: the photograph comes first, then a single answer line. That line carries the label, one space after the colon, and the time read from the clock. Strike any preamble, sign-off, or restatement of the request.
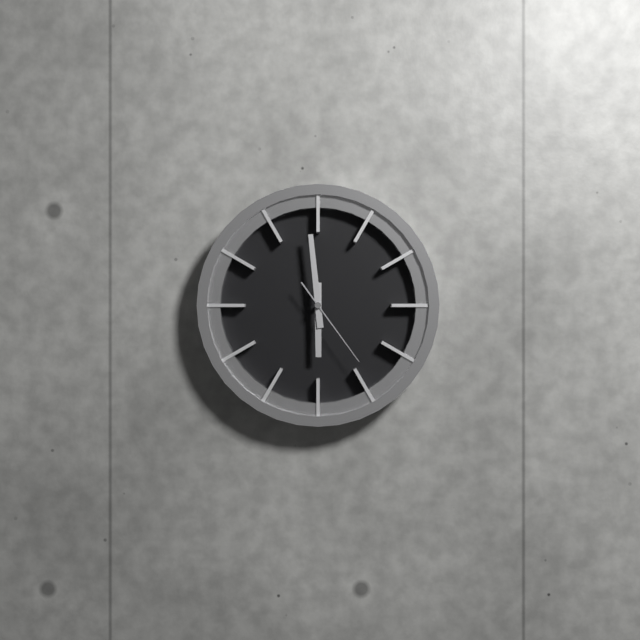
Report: 5:59:24
